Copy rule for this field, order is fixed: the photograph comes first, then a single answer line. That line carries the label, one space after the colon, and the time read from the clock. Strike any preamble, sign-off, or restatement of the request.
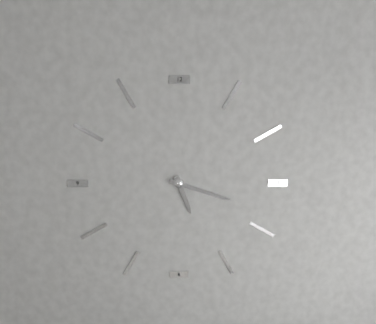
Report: 5:18
